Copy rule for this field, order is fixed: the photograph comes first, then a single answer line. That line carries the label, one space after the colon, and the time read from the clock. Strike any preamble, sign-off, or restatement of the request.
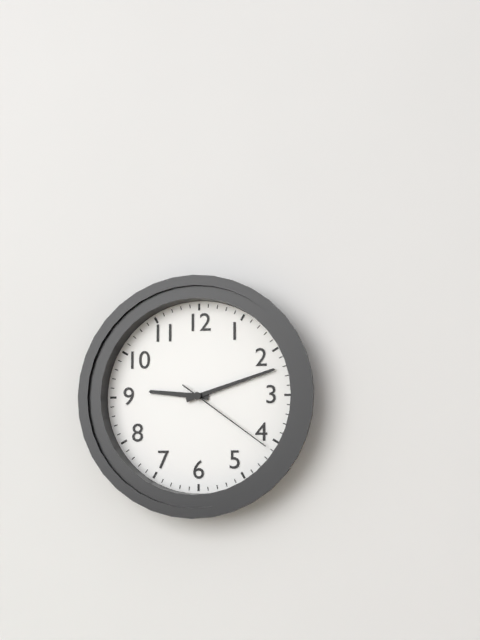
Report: 9:12:21
